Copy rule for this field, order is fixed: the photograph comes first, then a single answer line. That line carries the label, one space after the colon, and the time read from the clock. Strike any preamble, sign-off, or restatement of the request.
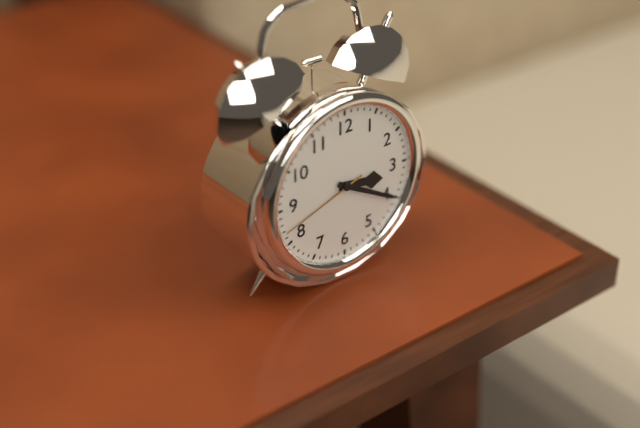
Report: 3:20:42
